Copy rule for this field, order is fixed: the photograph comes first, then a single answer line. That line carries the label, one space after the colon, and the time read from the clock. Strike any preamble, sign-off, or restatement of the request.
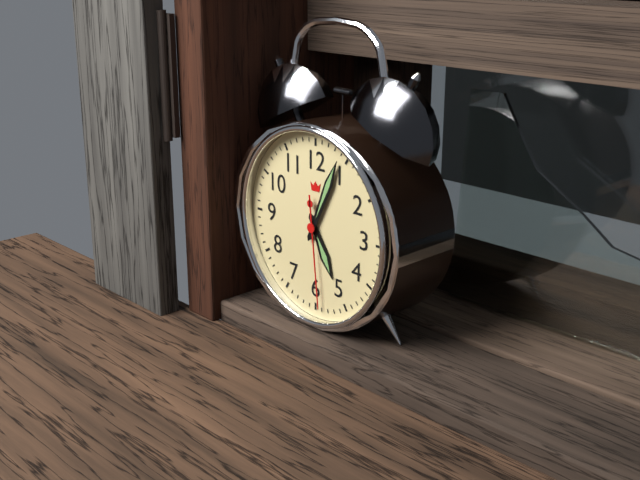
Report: 5:04:29
